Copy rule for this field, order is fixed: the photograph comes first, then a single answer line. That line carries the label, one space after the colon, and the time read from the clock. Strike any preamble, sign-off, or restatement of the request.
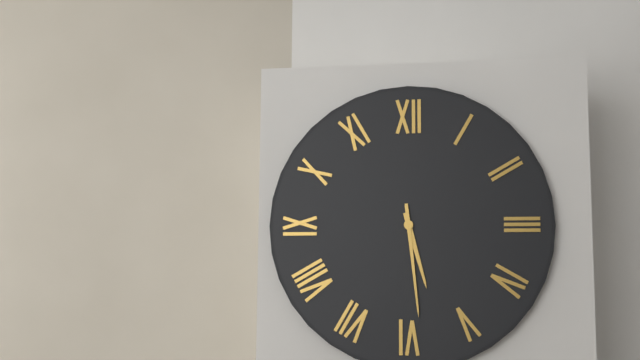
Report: 5:29
